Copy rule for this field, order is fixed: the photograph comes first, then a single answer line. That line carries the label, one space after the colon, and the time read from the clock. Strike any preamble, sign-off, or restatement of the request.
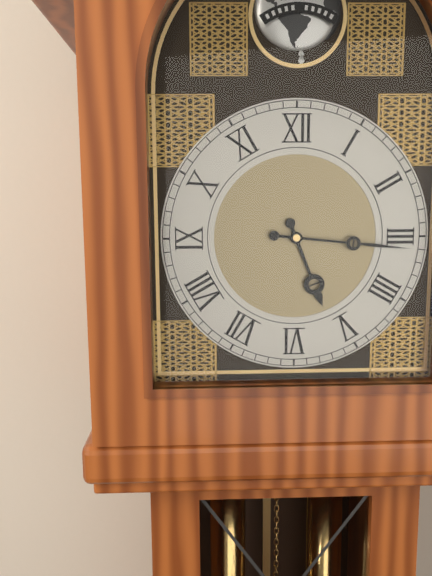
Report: 5:16
